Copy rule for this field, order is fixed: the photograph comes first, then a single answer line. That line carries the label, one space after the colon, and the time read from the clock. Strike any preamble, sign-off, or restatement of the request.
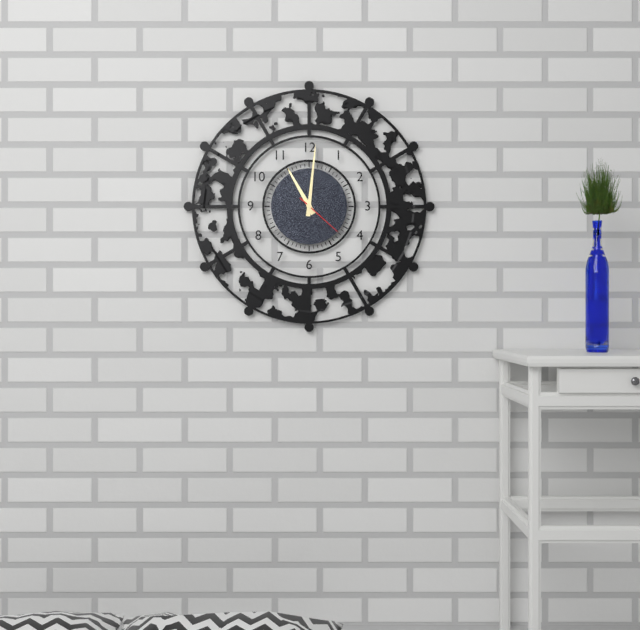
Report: 11:01:22
